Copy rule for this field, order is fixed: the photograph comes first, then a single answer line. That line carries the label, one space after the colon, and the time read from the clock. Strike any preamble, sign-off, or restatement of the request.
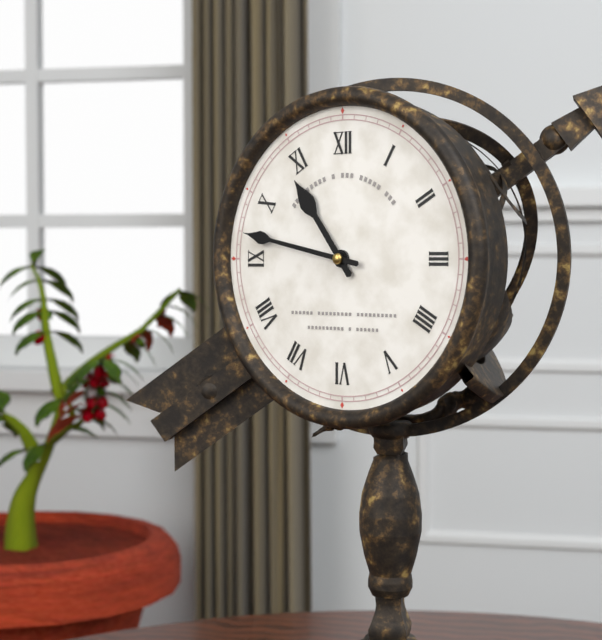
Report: 10:47
